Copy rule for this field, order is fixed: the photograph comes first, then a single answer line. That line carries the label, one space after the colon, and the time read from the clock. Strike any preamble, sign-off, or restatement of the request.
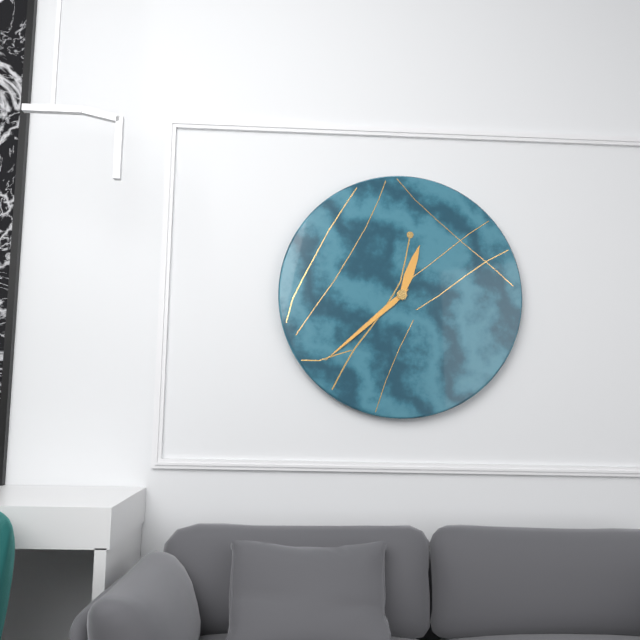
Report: 12:38
